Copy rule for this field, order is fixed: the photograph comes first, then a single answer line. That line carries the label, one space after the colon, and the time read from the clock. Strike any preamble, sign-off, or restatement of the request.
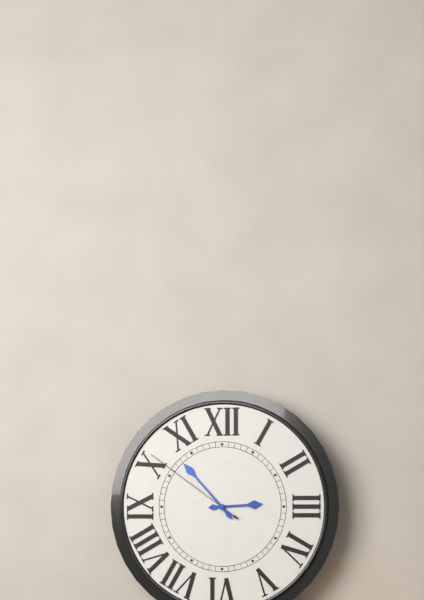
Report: 2:53:51
